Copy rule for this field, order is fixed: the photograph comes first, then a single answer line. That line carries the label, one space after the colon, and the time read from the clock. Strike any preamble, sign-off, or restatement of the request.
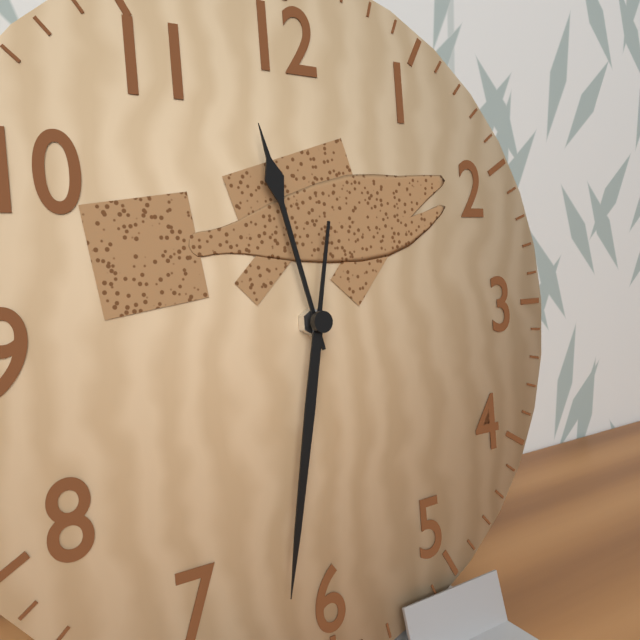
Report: 11:32
